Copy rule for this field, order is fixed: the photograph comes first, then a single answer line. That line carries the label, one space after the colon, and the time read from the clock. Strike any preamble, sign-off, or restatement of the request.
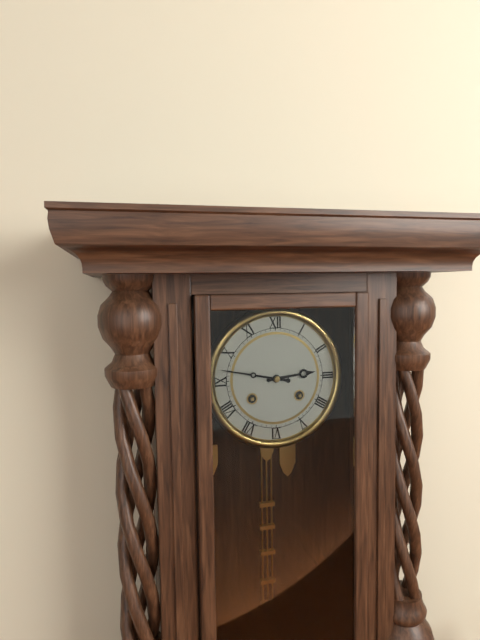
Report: 2:47
